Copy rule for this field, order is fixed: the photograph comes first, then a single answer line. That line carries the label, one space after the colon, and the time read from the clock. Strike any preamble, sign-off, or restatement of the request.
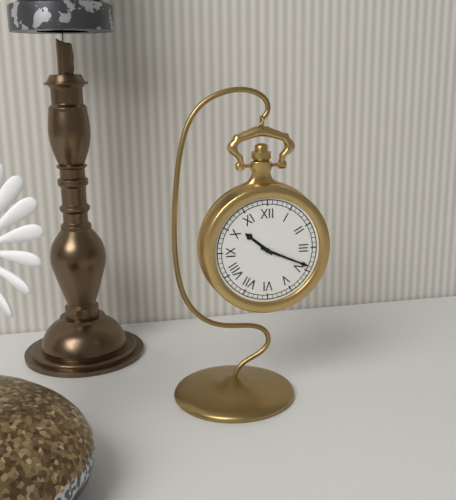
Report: 10:19
